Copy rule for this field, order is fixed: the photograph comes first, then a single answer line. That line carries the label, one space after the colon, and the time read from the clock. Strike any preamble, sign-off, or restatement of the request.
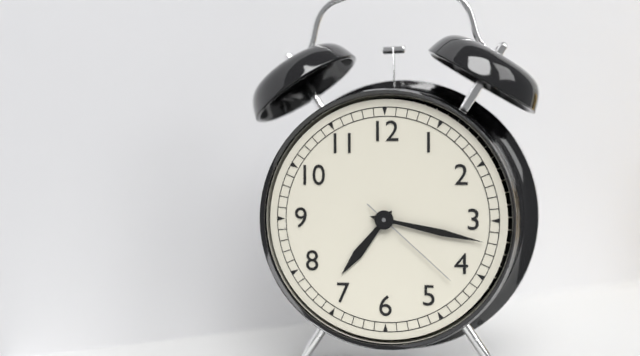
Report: 7:17:22
